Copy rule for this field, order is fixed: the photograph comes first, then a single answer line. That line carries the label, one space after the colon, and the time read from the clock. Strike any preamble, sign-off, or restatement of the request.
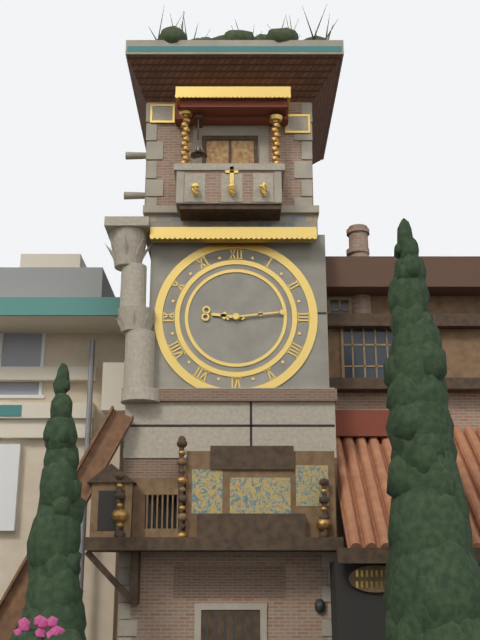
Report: 9:14
